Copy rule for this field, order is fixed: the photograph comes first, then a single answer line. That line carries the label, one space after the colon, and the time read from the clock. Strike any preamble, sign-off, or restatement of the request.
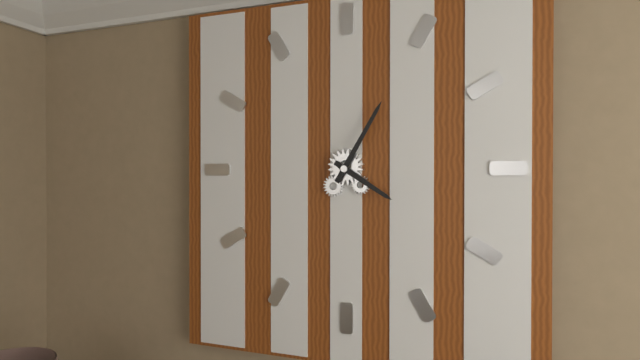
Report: 4:05
